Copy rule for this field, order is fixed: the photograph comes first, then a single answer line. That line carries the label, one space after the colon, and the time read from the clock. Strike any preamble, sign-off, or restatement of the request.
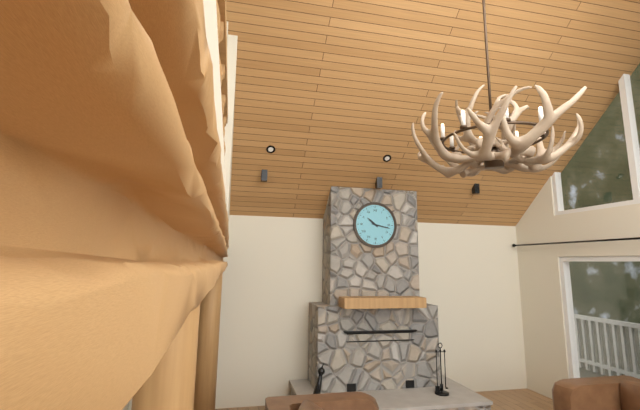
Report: 10:17
